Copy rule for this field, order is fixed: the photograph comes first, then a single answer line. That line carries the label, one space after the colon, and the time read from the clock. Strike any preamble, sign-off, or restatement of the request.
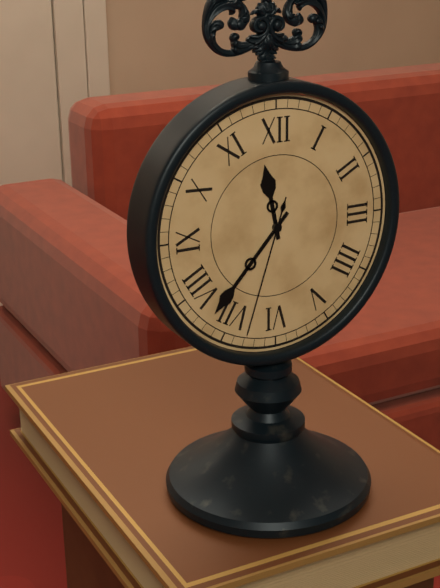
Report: 11:37:33
